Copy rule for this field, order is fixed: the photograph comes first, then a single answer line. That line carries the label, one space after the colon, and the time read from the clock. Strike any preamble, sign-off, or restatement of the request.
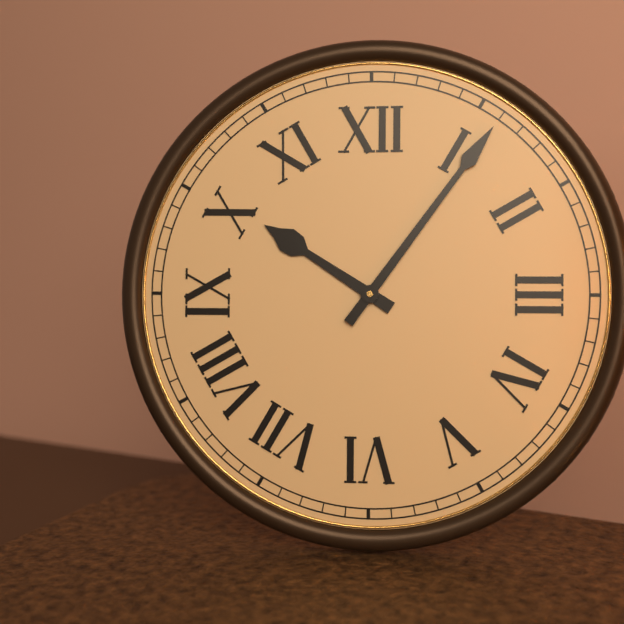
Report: 10:06
